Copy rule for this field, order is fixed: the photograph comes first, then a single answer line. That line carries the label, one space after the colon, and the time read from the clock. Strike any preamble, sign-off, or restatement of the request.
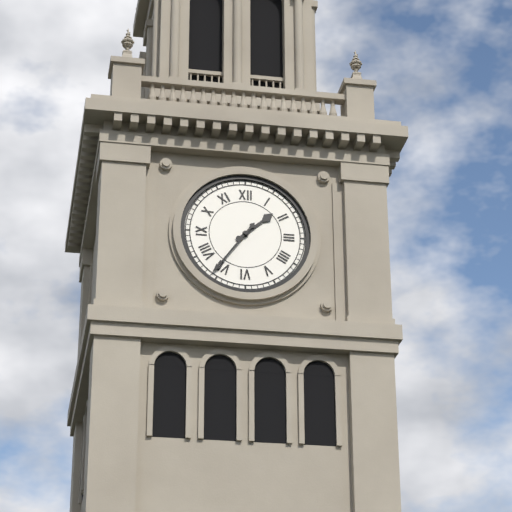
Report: 1:36
